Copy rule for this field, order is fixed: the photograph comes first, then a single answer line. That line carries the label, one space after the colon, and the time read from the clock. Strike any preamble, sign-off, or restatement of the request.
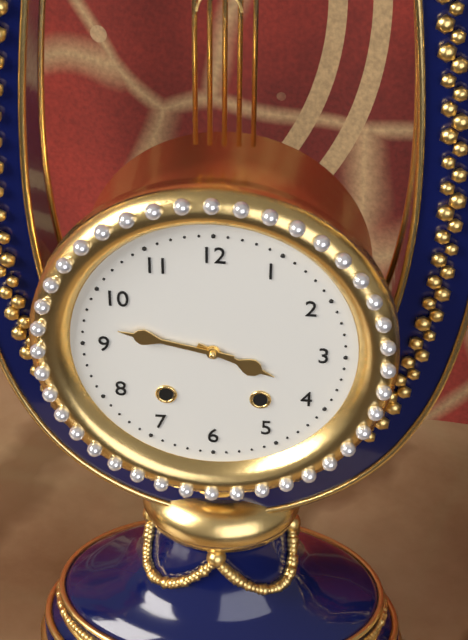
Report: 3:47
